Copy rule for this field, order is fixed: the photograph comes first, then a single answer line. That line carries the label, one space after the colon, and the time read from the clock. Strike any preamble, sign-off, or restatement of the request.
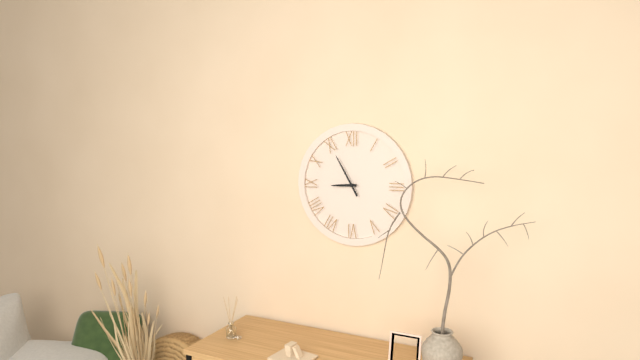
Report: 8:55
